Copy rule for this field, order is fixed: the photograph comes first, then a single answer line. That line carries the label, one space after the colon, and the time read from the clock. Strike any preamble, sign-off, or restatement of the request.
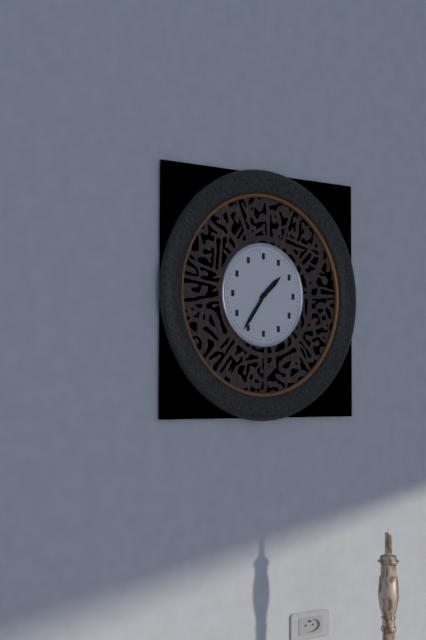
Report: 1:36
